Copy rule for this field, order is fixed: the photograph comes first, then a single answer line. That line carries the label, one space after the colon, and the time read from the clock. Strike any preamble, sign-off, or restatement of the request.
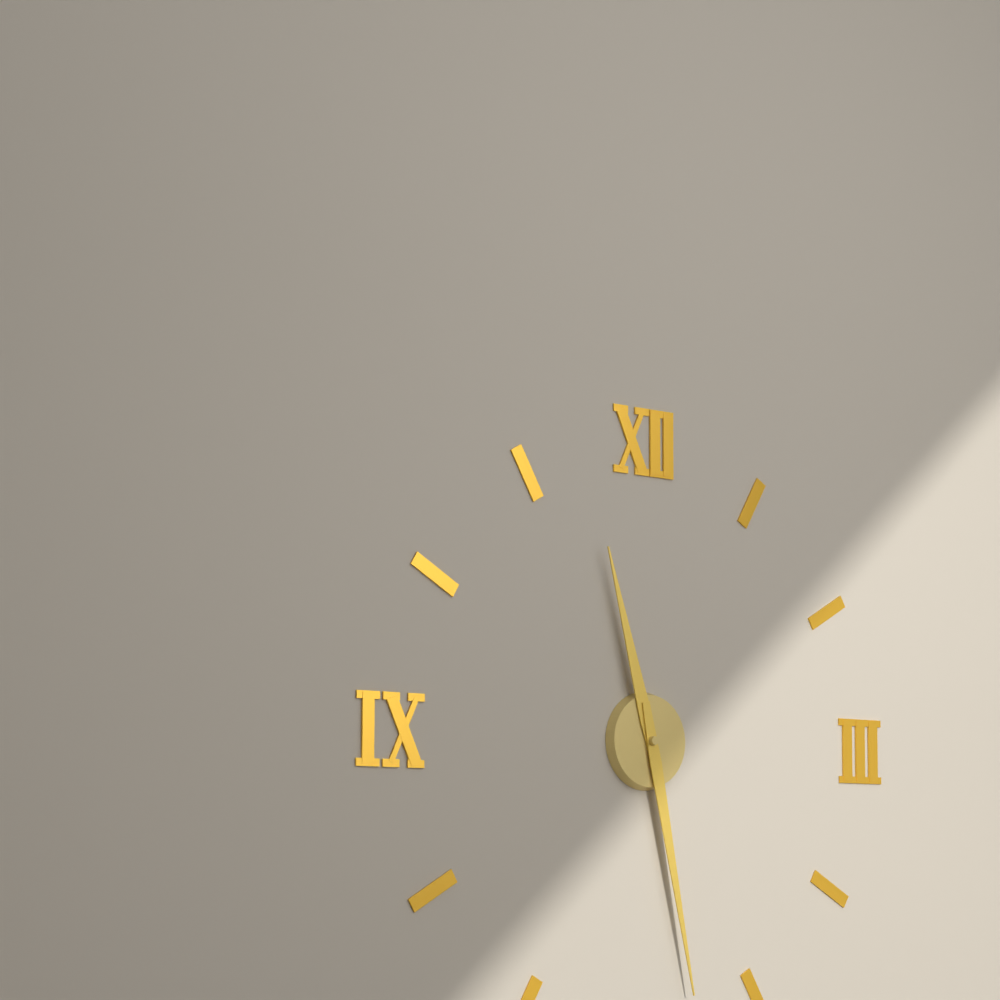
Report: 11:28
